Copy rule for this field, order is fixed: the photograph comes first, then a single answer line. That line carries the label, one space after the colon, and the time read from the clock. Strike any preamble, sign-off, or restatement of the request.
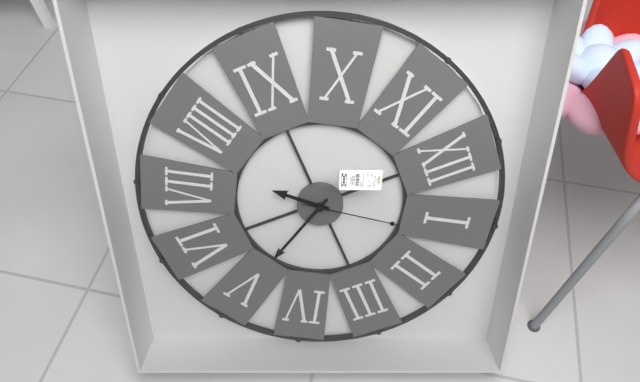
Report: 7:25:06
